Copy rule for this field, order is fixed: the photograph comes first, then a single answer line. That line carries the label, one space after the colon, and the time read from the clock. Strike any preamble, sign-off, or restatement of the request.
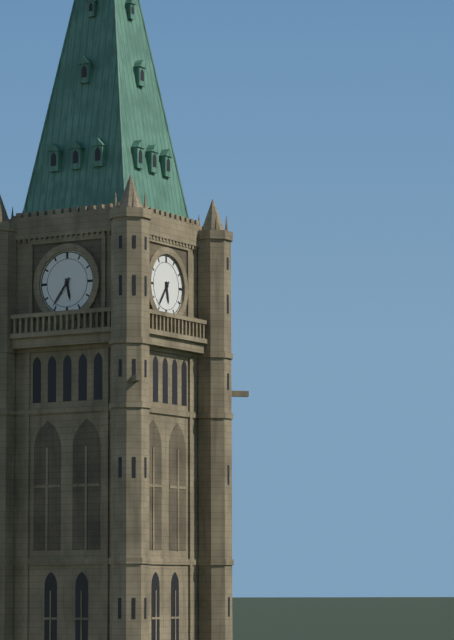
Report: 5:36
